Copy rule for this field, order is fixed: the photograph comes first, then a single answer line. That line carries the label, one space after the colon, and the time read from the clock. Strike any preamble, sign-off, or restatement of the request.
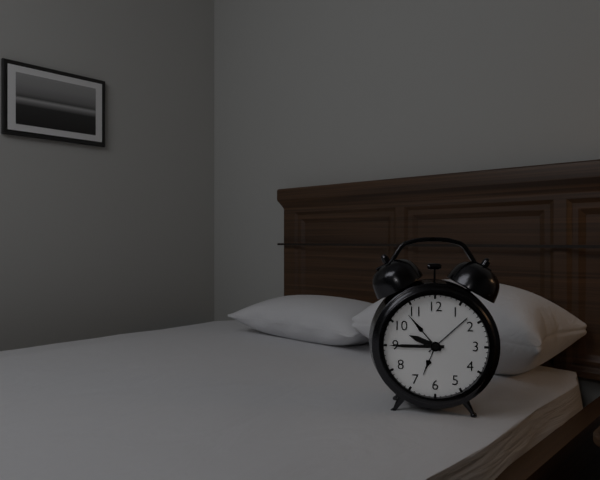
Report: 9:45
